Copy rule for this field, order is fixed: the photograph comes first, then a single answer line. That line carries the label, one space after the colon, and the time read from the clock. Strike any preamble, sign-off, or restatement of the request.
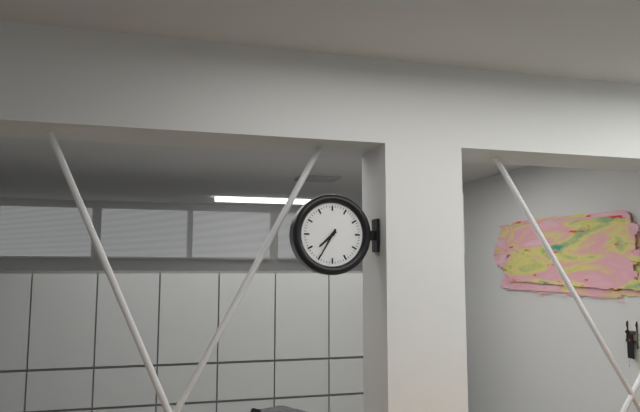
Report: 7:35
